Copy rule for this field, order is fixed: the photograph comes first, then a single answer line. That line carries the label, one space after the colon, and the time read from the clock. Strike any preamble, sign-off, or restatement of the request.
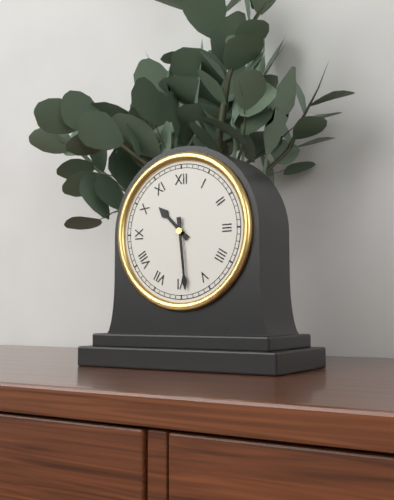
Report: 10:29
